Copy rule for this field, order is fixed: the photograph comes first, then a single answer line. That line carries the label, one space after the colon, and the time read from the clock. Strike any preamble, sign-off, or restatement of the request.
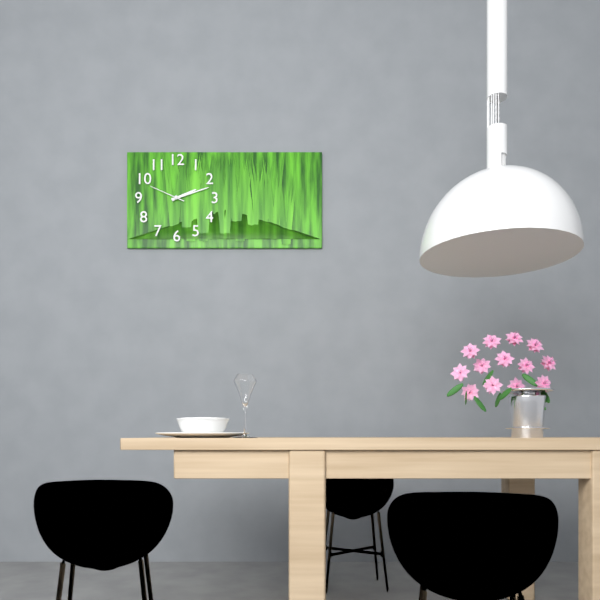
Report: 2:12
